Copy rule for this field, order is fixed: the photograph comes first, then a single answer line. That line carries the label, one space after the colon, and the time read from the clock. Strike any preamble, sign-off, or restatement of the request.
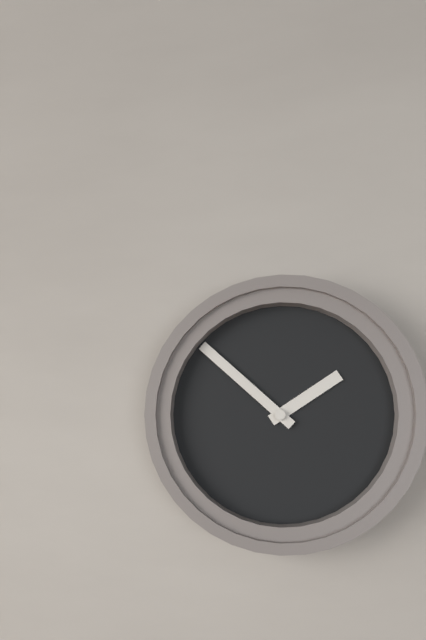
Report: 1:52
